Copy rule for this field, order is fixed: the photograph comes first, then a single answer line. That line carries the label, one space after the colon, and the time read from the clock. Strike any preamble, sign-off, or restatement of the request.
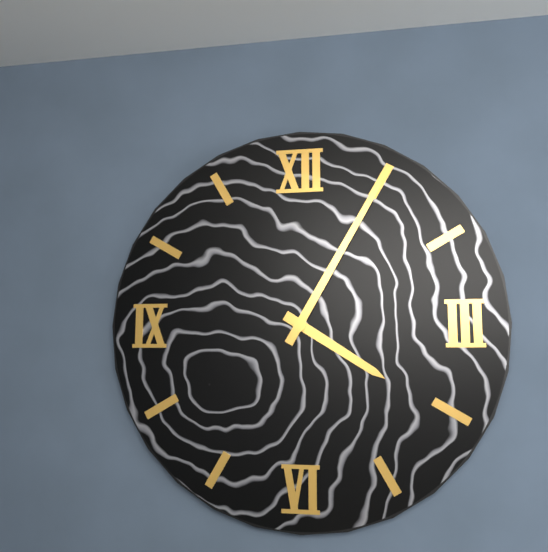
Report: 4:05
